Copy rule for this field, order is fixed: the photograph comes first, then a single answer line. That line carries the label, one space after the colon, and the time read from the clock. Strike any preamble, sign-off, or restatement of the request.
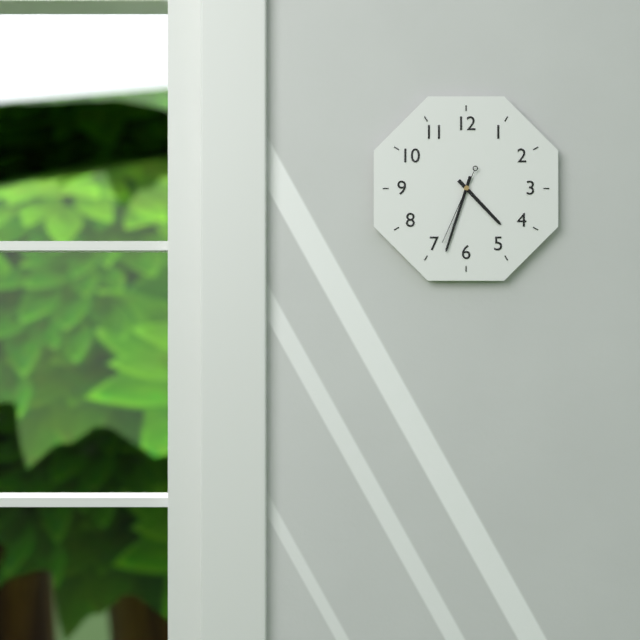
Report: 4:33:34
